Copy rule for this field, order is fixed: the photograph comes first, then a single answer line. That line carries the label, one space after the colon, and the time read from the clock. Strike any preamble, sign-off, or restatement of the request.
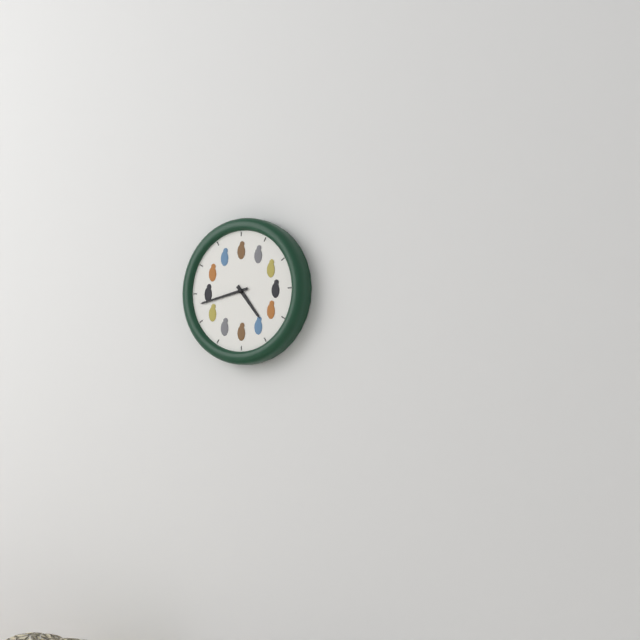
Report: 4:43
